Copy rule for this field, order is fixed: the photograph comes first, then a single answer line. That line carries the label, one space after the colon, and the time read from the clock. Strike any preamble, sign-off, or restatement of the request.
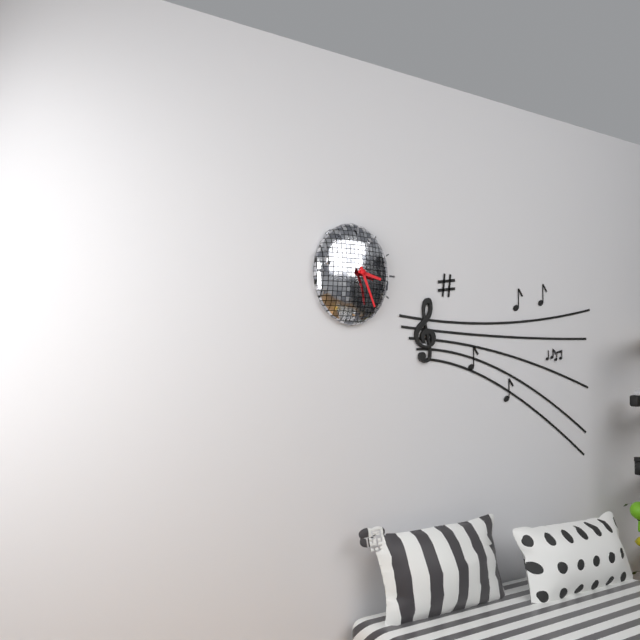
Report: 3:26
